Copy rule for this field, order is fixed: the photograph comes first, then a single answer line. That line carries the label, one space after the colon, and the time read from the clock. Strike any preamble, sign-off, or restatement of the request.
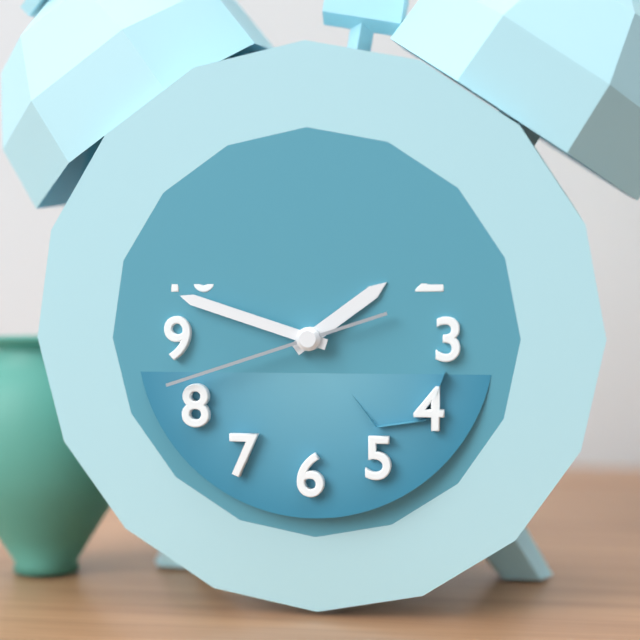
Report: 1:48:42
